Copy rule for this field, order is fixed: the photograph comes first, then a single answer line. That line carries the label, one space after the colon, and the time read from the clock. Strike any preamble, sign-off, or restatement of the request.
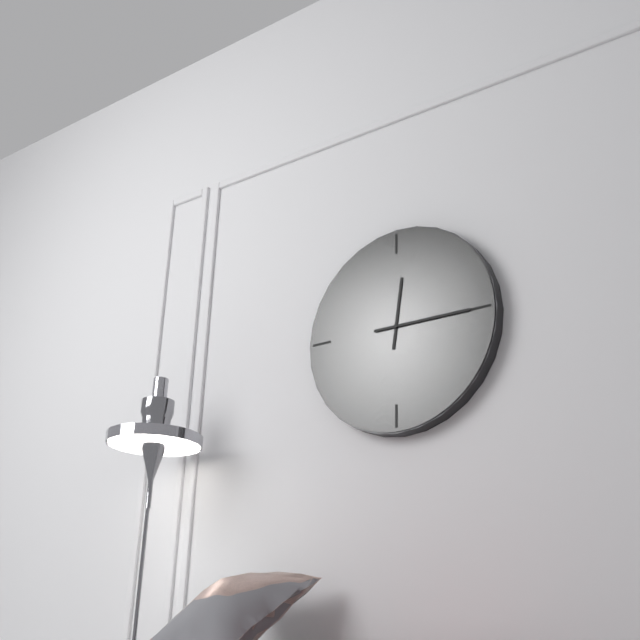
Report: 12:15
